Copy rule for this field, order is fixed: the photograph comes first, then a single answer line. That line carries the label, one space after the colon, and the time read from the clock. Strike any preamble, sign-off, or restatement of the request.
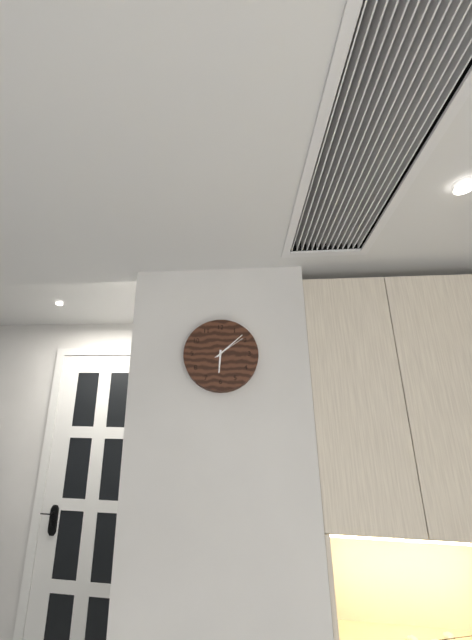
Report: 6:08
